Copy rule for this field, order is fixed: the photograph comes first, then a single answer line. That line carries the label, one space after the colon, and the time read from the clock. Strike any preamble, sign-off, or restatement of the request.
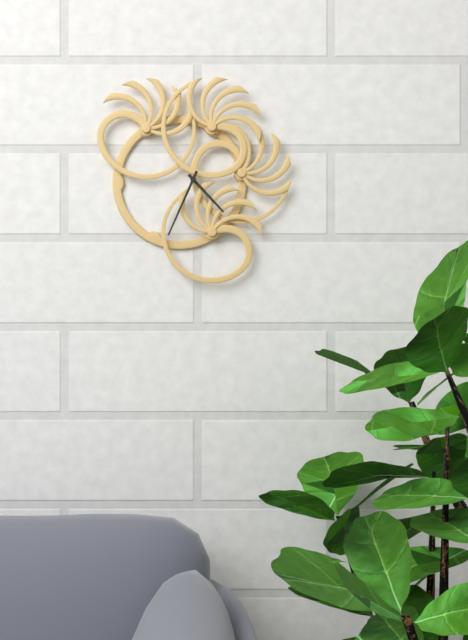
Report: 4:34
